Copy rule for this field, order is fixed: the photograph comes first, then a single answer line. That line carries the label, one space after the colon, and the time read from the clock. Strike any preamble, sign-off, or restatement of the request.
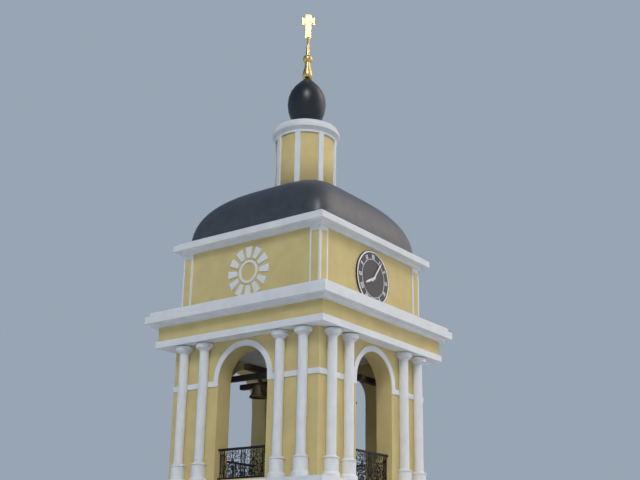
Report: 8:06
